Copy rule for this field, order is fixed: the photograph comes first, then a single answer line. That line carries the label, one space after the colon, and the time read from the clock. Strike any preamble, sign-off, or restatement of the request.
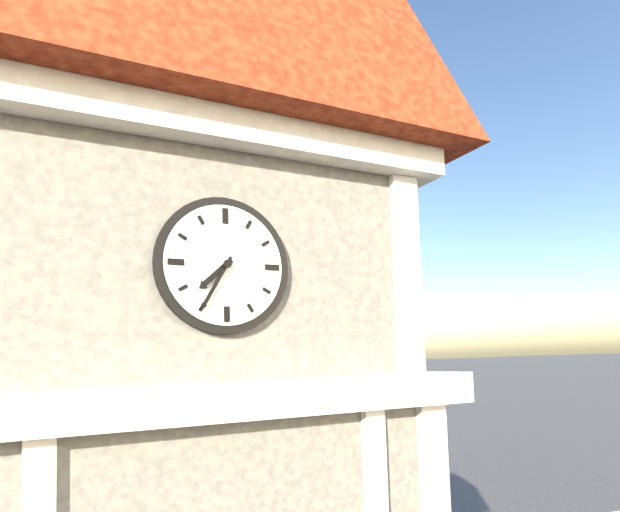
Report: 7:35
